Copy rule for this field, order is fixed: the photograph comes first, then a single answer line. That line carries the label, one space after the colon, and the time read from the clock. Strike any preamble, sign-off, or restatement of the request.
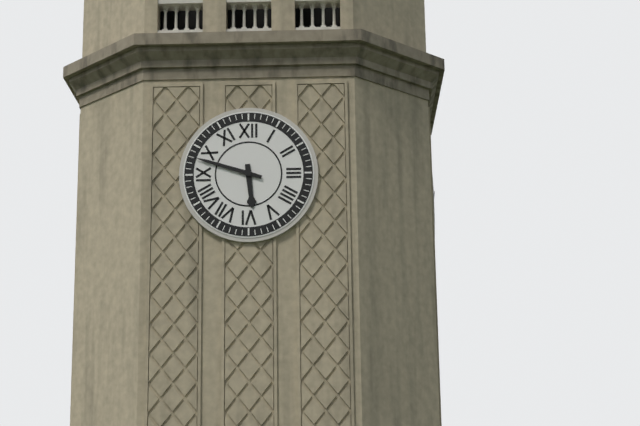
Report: 5:48
